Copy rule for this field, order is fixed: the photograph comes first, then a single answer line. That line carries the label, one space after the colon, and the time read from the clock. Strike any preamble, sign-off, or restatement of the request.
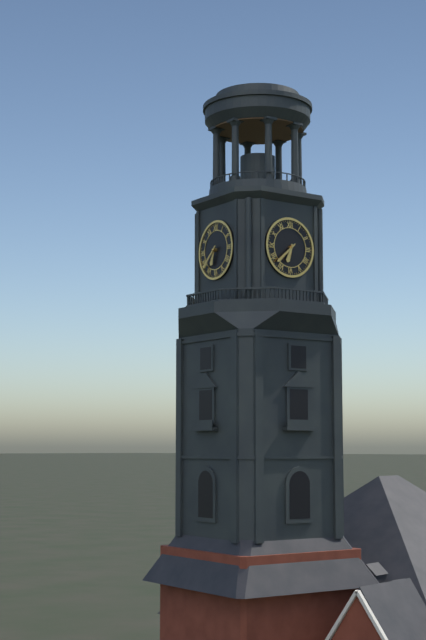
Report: 6:38
